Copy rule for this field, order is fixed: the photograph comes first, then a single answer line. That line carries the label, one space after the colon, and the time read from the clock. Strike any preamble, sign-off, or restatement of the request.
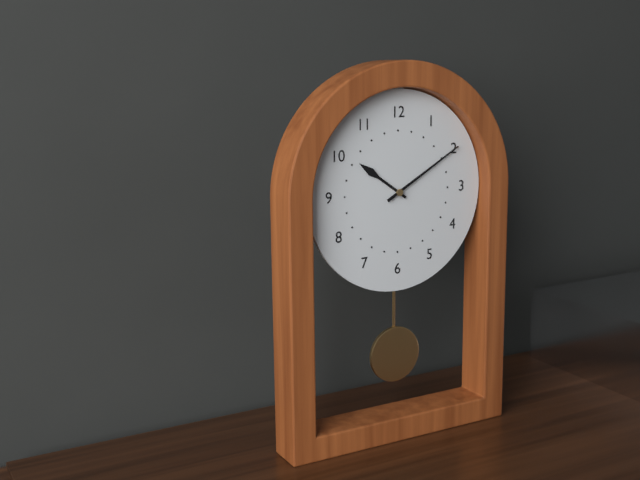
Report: 10:10
